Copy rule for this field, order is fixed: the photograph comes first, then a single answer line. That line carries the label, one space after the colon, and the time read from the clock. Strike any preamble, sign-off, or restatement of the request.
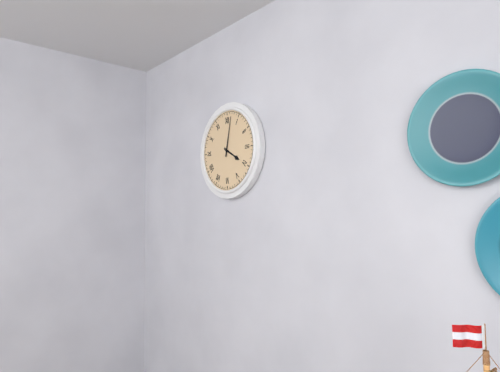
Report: 4:02
